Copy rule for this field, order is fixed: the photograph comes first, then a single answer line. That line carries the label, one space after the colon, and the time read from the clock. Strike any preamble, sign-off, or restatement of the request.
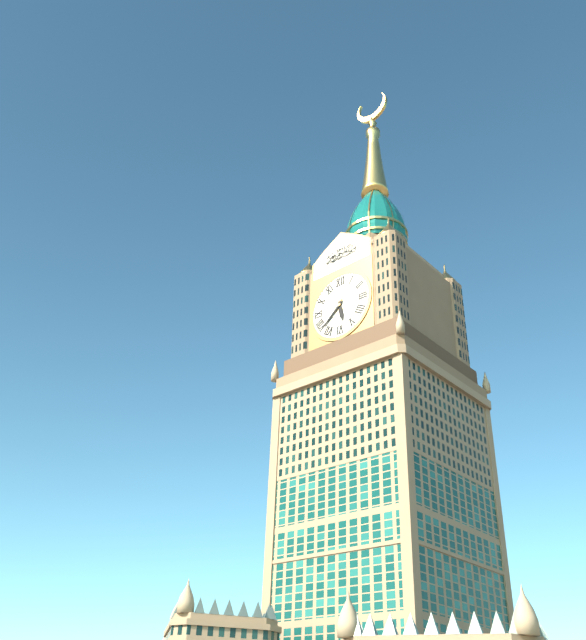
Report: 5:38
